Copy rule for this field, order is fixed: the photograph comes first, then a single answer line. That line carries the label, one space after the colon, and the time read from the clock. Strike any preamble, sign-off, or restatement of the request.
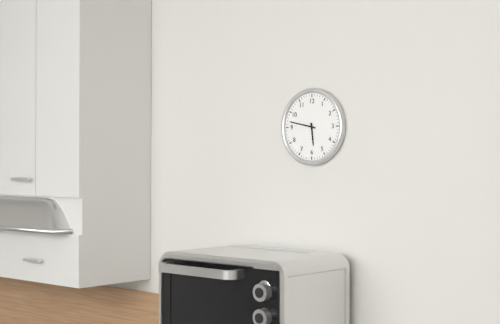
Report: 5:47
